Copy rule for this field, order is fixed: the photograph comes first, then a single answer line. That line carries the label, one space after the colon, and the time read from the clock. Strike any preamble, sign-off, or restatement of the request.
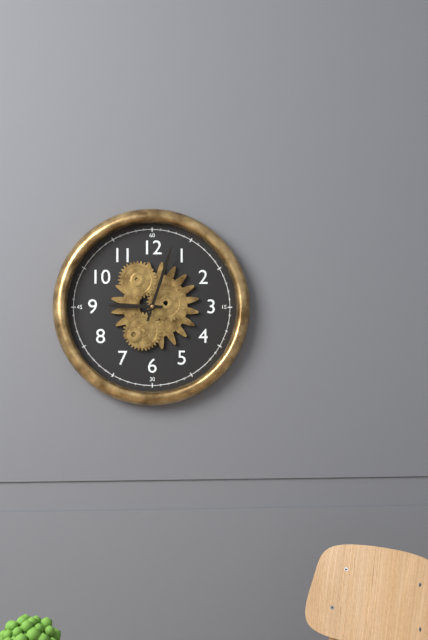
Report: 9:03
